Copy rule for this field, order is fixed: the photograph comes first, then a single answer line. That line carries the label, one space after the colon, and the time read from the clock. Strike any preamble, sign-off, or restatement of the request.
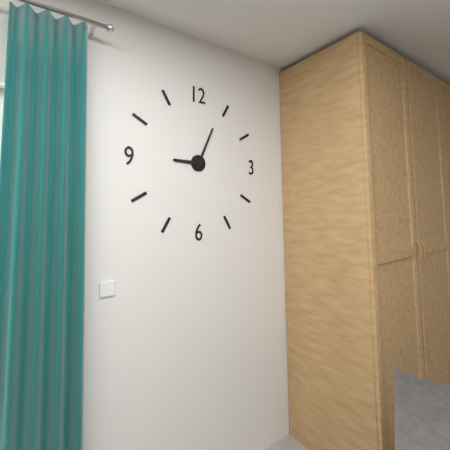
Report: 9:04
